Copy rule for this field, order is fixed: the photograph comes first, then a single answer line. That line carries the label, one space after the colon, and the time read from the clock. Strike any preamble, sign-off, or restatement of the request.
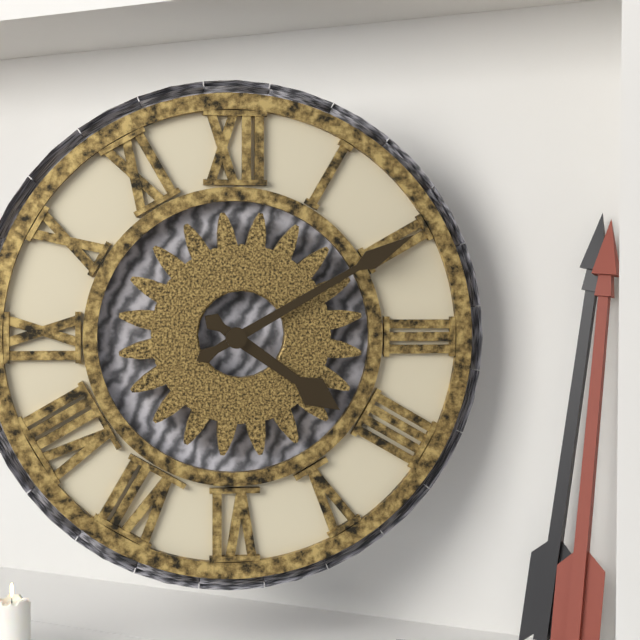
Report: 4:10
